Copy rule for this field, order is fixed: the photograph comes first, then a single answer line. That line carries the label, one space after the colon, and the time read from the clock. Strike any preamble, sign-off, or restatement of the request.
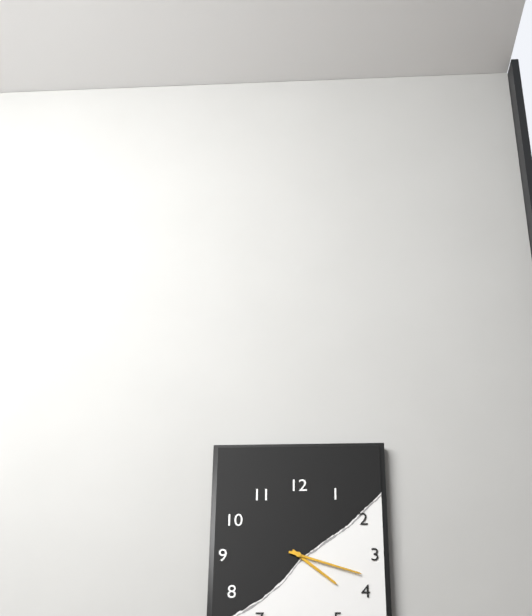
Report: 4:18
